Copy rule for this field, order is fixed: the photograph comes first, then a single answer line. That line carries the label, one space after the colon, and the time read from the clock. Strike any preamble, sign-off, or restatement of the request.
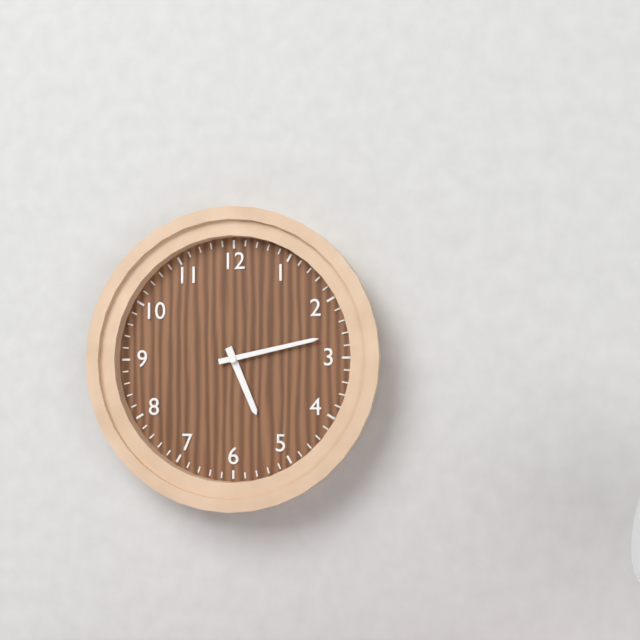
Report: 5:13
